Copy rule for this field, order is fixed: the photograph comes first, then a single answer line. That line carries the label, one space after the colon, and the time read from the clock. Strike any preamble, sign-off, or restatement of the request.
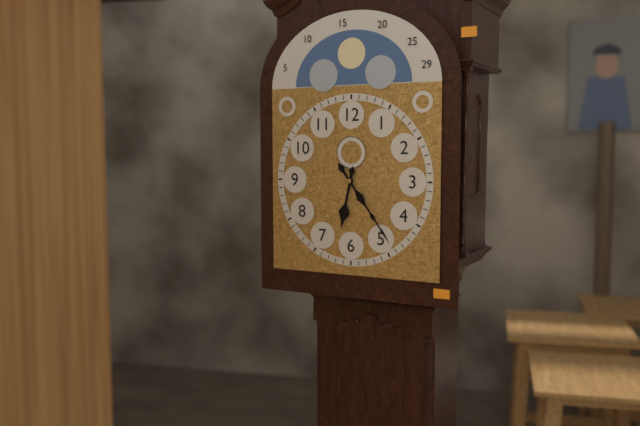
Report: 6:24
